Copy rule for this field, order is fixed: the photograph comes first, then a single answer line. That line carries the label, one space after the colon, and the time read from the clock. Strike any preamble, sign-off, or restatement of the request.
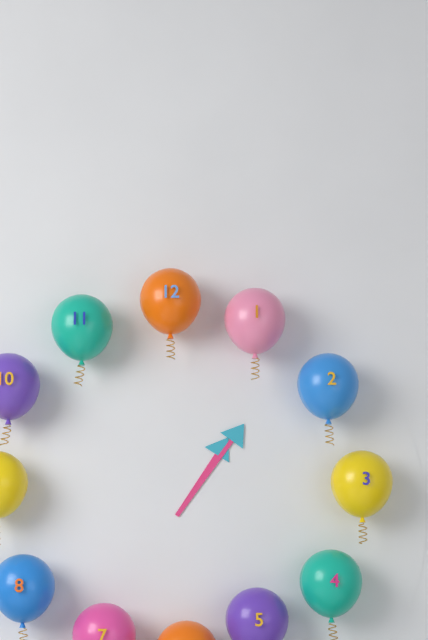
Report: 1:06
